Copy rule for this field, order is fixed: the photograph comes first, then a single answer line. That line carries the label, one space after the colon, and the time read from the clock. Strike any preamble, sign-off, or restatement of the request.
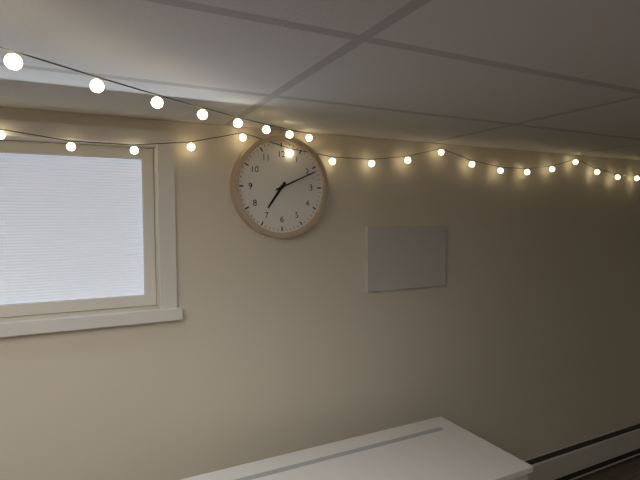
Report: 7:11
